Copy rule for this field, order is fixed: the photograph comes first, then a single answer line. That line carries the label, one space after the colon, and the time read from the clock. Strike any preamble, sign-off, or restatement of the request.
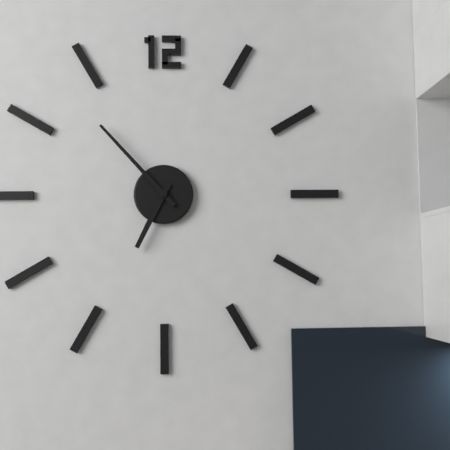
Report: 6:53
